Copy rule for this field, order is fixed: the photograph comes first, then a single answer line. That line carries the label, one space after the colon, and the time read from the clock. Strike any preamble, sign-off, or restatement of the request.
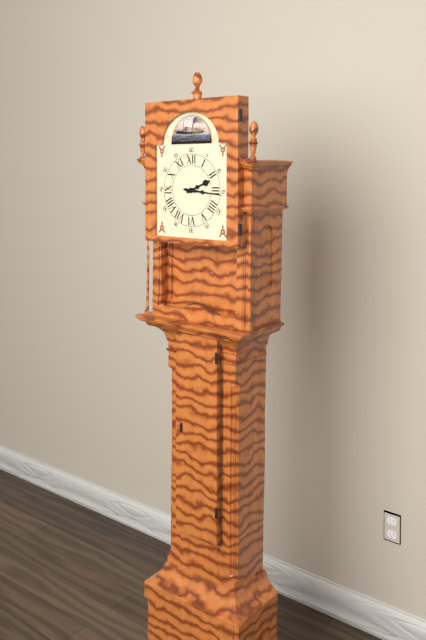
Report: 2:16
